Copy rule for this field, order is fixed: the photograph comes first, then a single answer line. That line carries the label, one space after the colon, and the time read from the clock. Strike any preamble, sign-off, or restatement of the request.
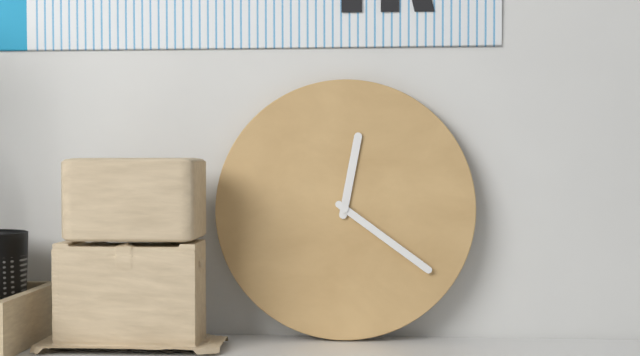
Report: 12:21
